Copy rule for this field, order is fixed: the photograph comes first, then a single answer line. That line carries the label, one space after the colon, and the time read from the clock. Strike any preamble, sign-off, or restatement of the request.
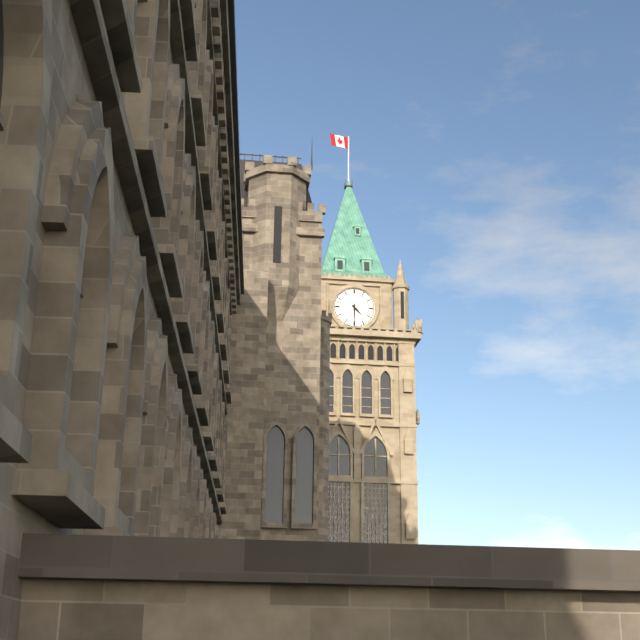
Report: 4:30
